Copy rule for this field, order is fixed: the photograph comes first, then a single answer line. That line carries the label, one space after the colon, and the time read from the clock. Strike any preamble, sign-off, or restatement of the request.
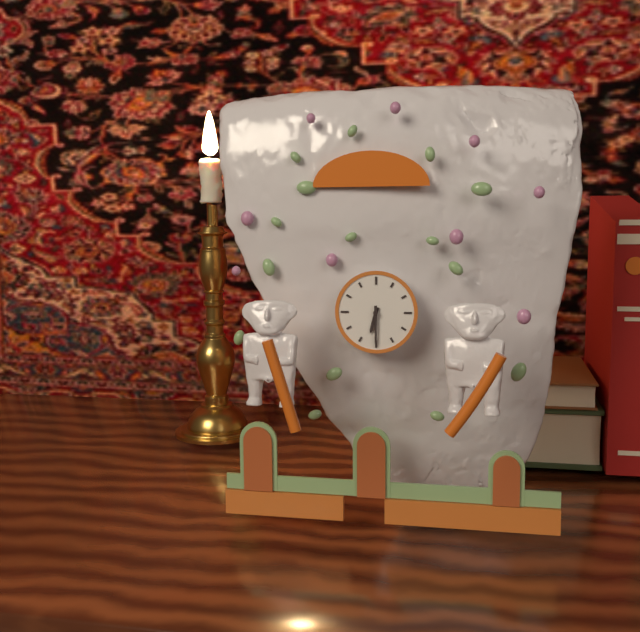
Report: 6:30
